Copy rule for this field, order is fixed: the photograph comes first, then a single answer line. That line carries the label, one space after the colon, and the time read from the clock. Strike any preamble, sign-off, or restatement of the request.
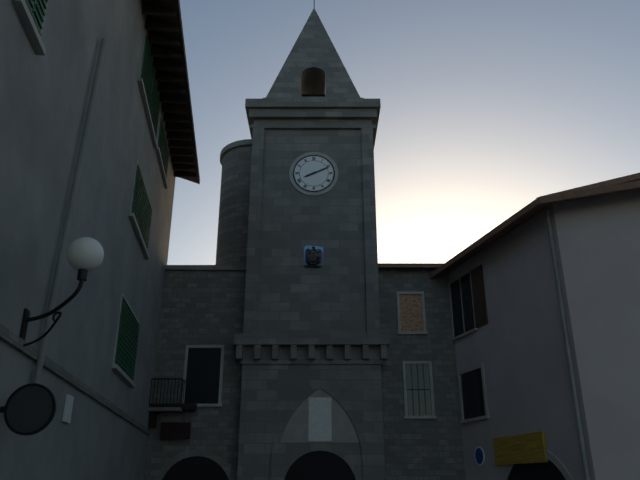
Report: 8:11
